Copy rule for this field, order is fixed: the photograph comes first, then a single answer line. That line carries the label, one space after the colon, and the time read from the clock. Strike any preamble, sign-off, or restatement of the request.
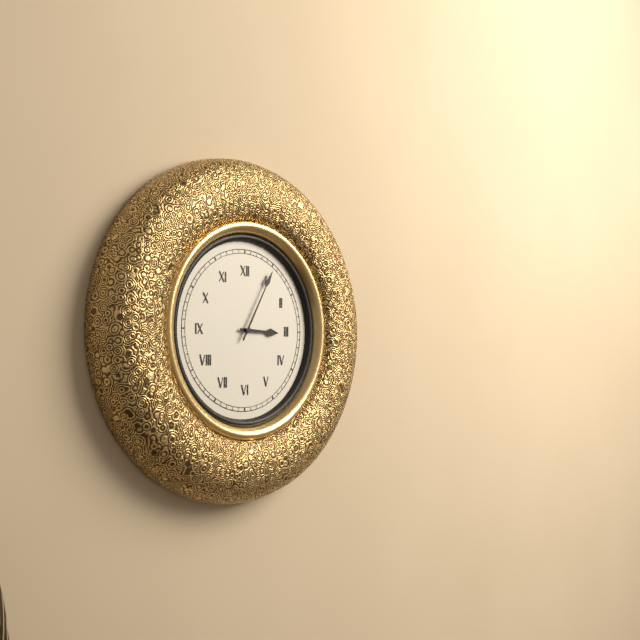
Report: 3:05
